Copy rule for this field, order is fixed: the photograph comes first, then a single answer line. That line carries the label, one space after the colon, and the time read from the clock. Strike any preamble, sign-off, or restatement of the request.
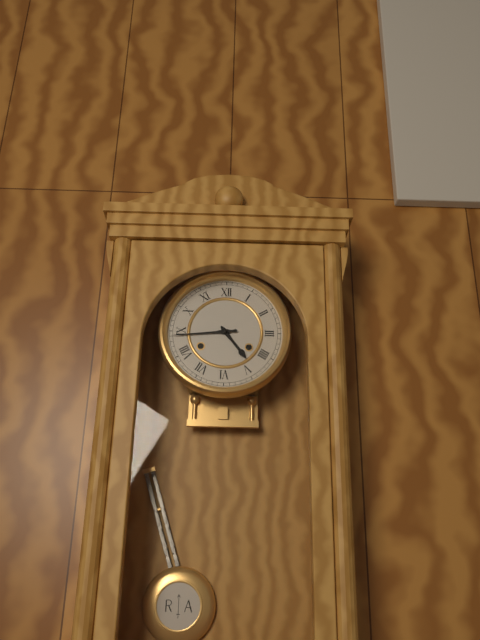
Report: 4:44
